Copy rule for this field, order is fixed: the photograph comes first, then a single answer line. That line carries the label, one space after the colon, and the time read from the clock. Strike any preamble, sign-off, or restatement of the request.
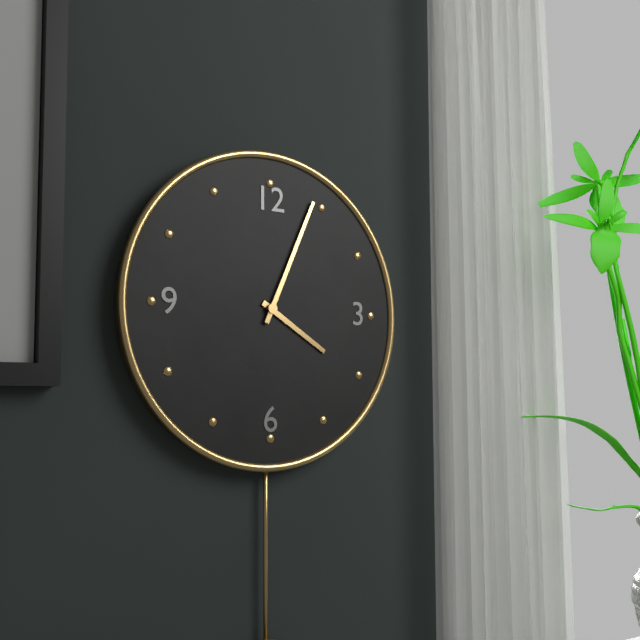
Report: 4:04
